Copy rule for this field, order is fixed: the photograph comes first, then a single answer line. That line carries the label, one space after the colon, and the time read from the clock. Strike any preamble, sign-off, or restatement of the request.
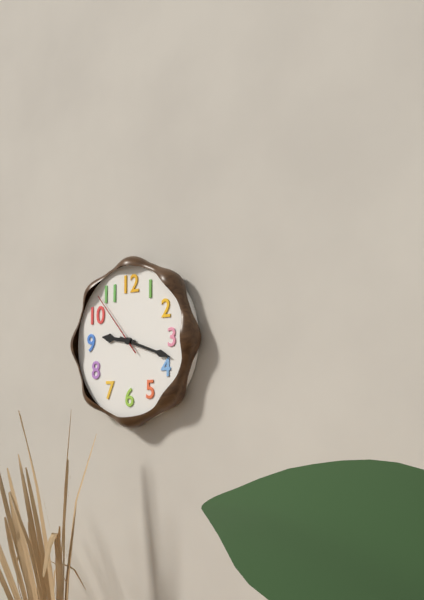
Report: 9:18:53
